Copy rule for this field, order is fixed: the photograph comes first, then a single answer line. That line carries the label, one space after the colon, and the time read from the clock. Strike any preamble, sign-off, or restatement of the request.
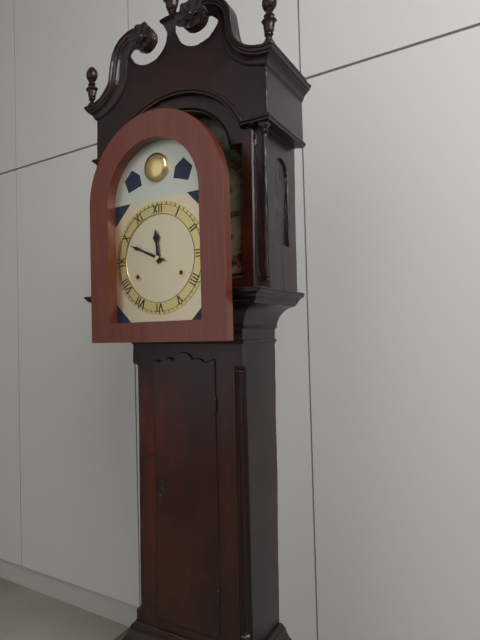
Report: 11:49
